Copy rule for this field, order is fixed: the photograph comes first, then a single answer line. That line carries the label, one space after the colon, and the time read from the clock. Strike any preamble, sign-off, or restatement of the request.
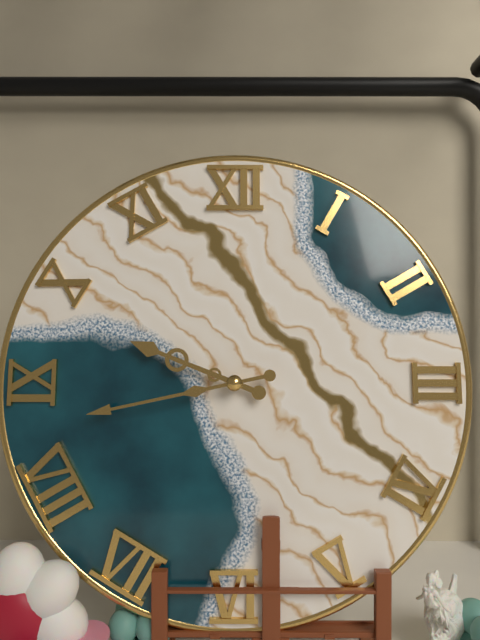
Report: 9:43
